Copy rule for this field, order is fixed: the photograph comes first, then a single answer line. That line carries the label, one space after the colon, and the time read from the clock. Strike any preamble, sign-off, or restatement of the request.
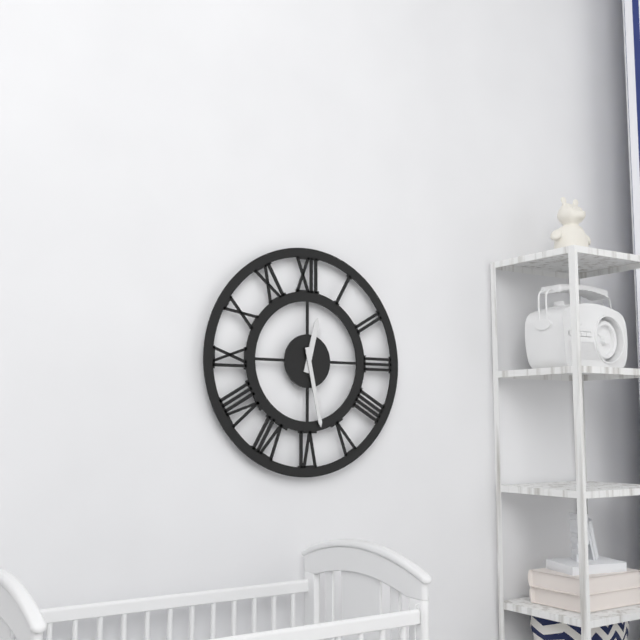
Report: 12:28
